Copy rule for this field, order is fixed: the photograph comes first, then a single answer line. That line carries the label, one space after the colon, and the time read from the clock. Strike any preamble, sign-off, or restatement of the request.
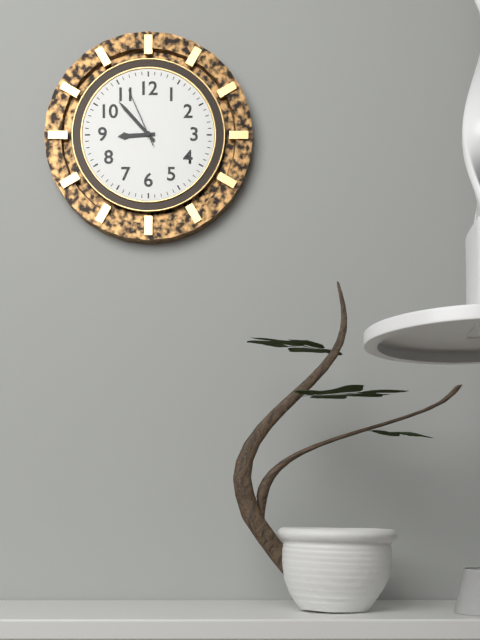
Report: 8:53:56
